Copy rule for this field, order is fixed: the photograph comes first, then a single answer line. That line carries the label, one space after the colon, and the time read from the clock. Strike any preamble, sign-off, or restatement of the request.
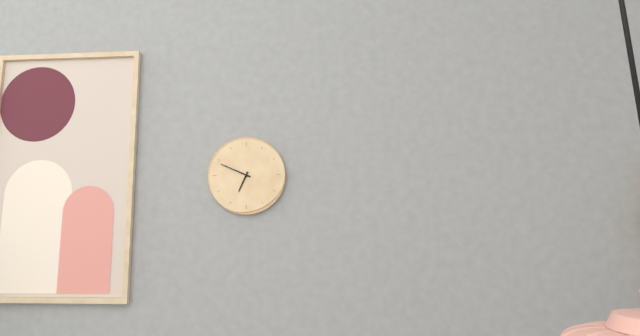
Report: 6:49
